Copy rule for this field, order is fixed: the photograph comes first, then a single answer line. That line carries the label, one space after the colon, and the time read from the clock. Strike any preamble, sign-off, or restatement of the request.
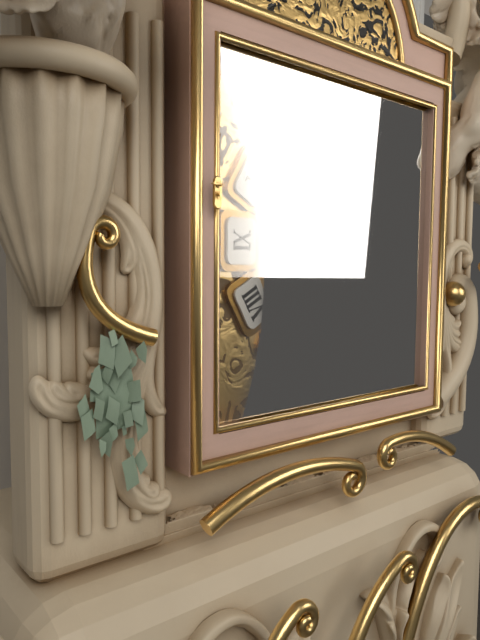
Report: 6:00
